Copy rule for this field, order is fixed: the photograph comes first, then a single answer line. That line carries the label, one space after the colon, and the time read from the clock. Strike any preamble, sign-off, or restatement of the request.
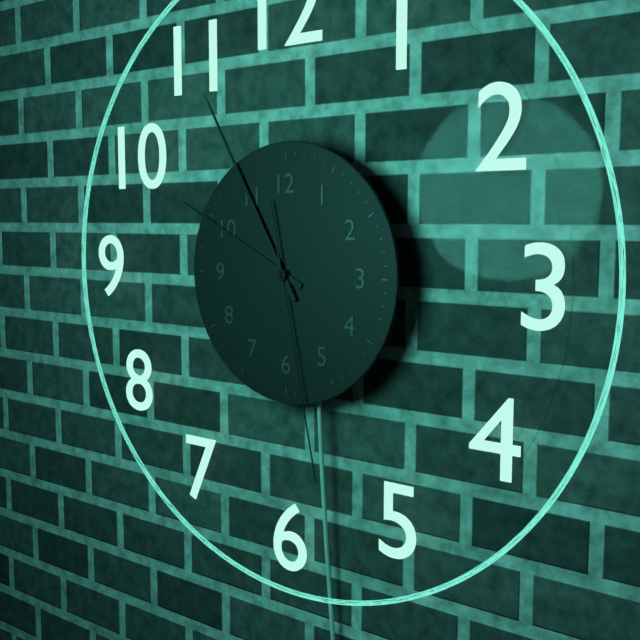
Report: 9:55:28
